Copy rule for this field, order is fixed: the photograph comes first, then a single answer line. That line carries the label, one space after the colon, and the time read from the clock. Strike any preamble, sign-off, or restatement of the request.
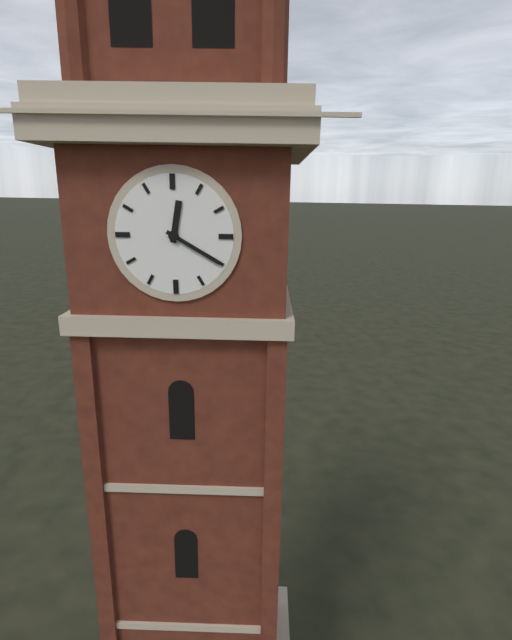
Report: 12:20
